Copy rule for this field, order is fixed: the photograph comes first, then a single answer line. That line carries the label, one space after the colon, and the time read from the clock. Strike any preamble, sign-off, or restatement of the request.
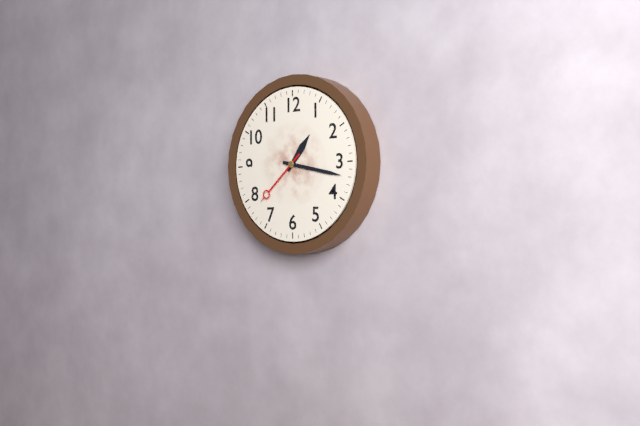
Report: 1:17:38
